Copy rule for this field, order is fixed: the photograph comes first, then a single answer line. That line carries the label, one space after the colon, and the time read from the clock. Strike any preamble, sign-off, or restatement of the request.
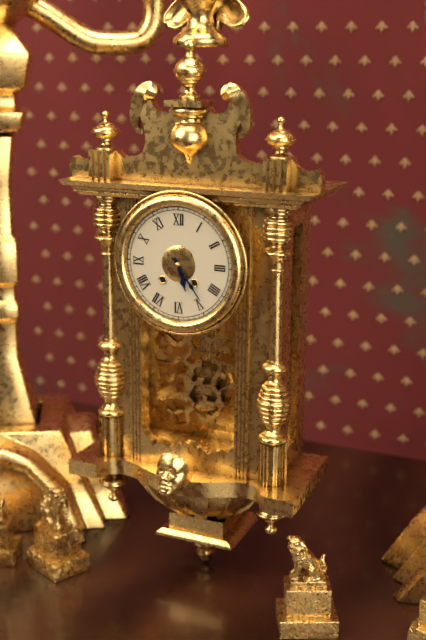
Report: 5:24
